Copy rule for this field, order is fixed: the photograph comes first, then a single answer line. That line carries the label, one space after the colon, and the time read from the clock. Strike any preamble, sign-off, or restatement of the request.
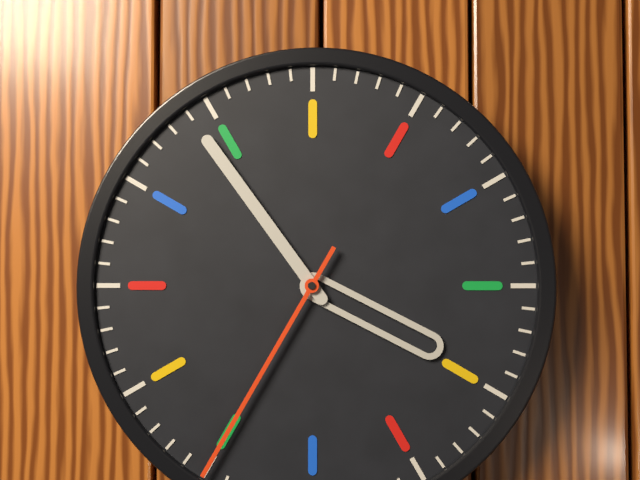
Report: 3:54:35
